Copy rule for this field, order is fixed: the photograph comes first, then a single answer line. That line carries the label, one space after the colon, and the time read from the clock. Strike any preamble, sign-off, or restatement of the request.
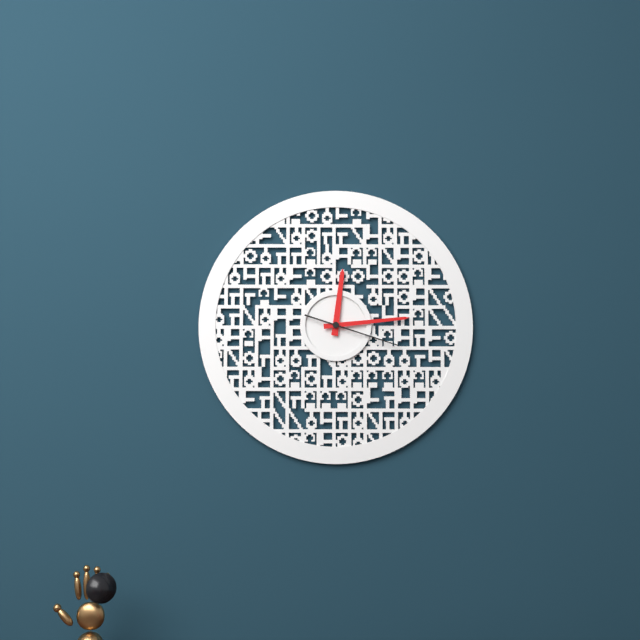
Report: 12:14:18
